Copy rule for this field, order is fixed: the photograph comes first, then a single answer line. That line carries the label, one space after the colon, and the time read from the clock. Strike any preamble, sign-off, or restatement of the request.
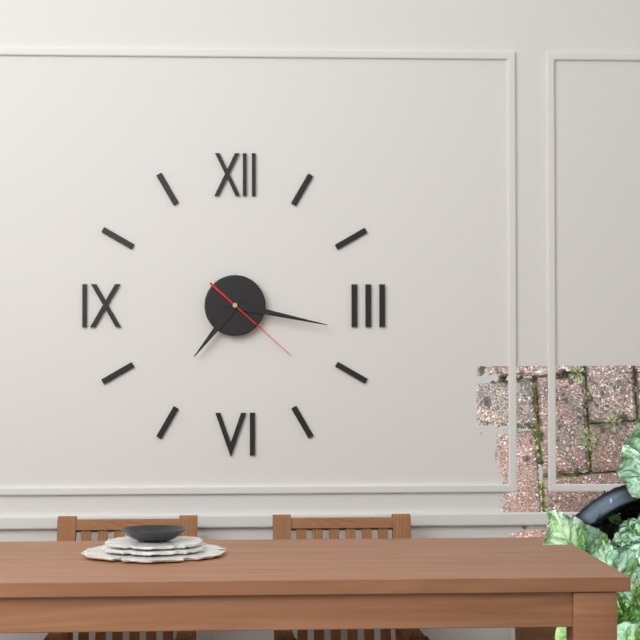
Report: 7:17:22
